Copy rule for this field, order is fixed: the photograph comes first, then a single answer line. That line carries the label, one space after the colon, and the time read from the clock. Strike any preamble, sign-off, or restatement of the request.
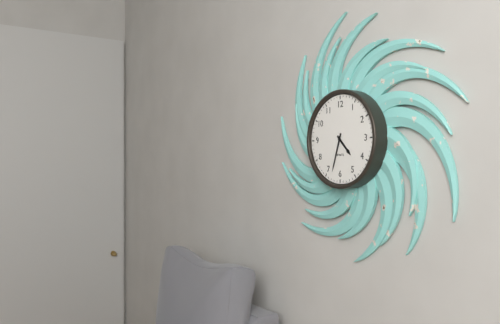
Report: 4:33
